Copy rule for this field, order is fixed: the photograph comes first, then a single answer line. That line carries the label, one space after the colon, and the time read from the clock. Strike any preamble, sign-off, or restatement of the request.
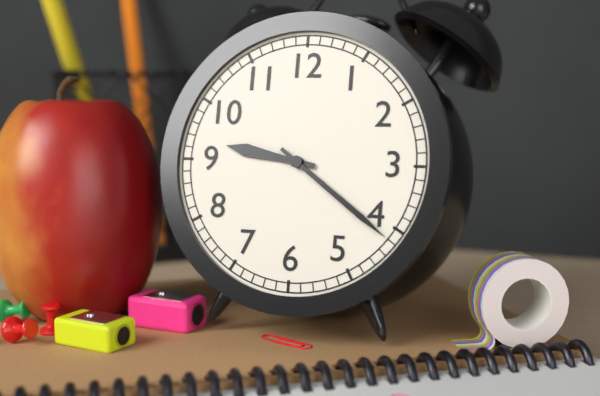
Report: 9:21
